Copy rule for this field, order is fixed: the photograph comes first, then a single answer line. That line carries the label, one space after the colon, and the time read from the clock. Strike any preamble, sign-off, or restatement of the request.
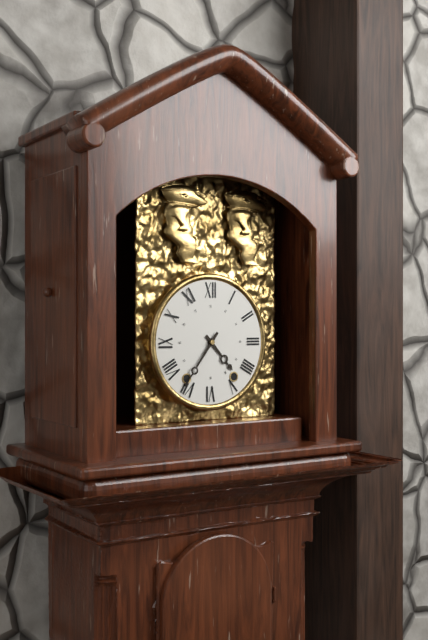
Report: 4:36
